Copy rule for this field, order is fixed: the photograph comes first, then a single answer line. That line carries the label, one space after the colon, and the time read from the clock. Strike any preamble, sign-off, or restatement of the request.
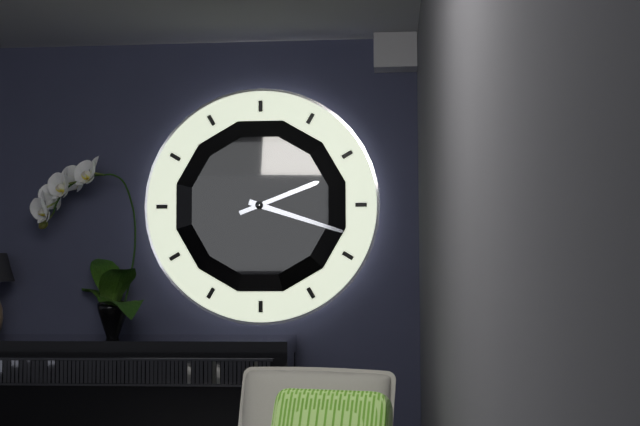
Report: 2:18
